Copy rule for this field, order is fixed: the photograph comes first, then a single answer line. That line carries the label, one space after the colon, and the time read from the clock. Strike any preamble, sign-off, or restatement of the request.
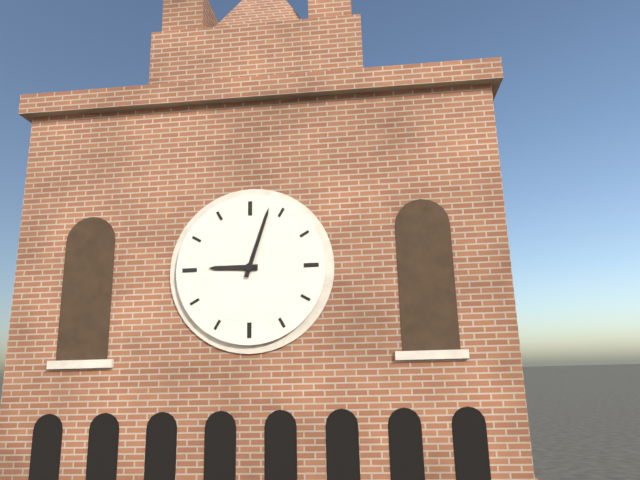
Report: 9:03
